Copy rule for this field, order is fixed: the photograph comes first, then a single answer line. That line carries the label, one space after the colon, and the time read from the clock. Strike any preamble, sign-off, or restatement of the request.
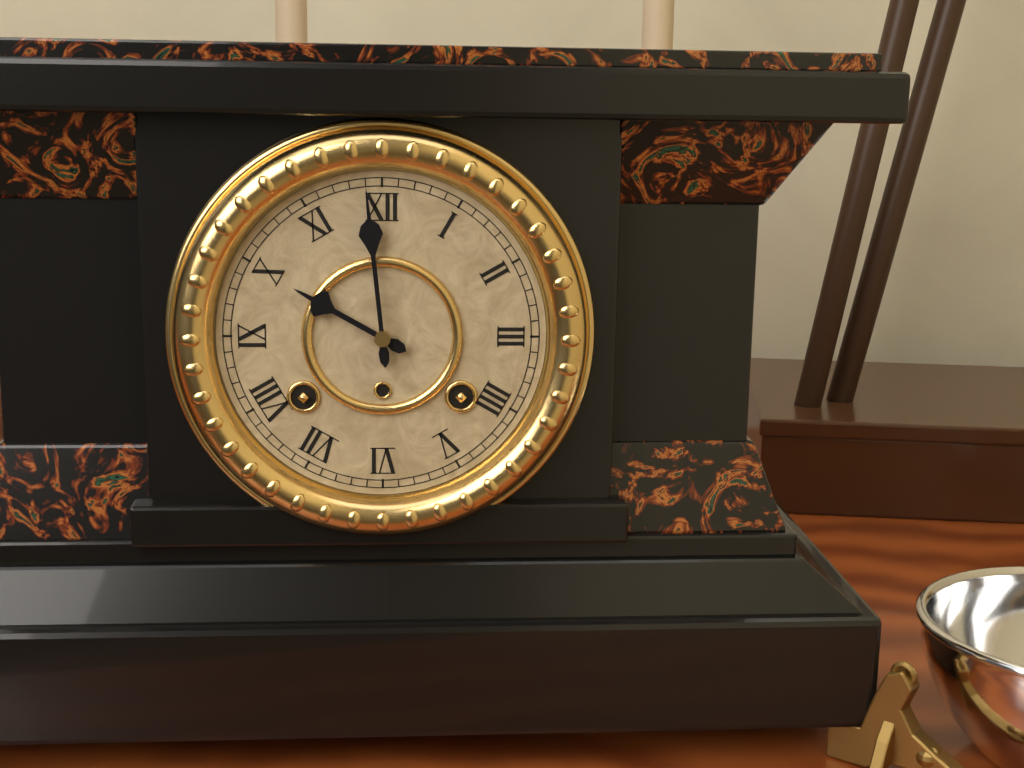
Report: 9:59
